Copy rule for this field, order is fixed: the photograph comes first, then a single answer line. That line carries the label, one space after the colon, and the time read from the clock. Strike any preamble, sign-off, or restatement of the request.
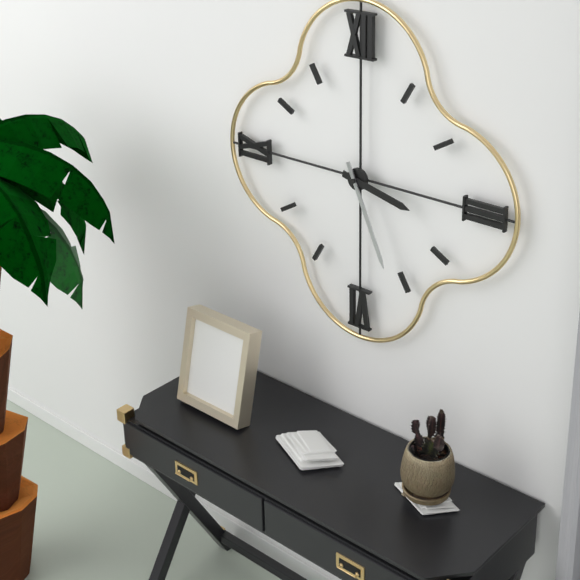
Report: 3:26
